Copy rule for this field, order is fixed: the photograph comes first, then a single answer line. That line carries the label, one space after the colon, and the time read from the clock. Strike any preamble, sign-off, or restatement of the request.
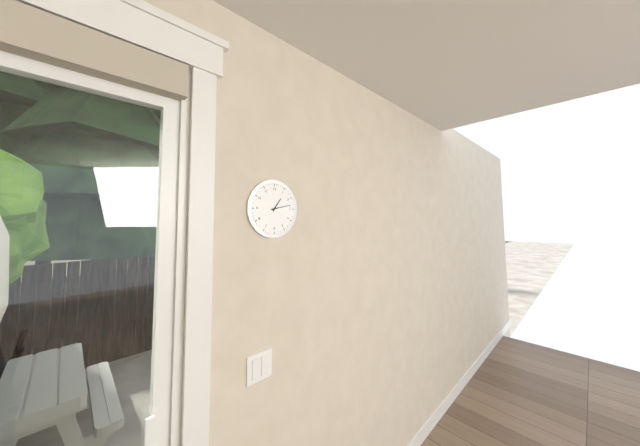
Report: 1:13
